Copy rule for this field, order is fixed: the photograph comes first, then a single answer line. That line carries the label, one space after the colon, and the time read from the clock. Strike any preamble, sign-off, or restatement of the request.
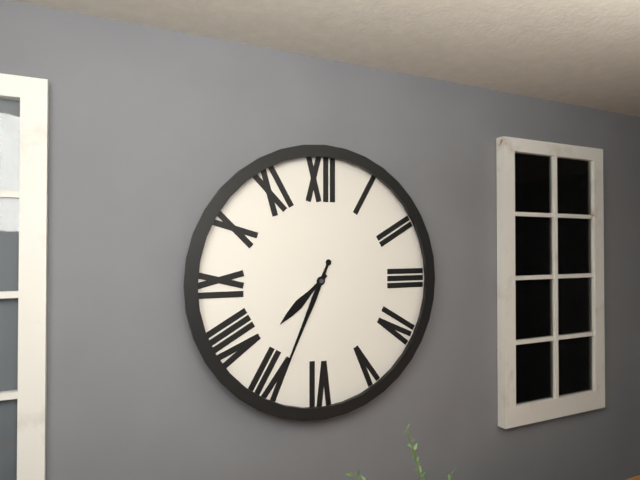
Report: 7:34
